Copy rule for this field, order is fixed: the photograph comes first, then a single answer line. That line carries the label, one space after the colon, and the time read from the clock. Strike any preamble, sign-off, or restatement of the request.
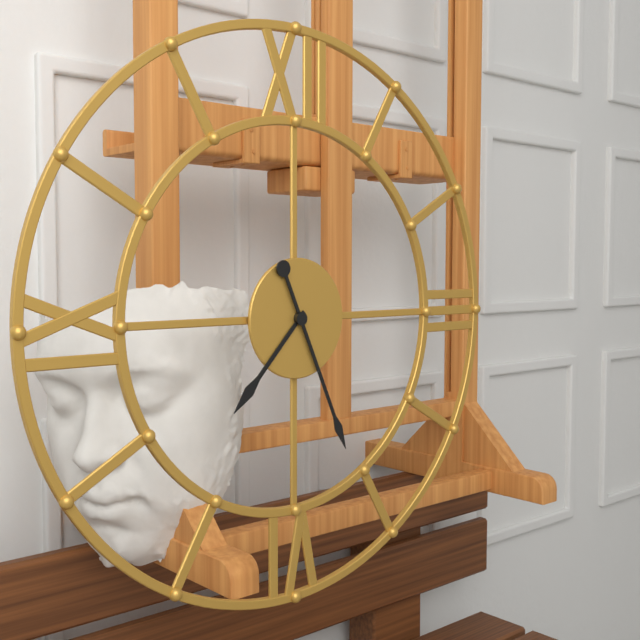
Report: 7:26
